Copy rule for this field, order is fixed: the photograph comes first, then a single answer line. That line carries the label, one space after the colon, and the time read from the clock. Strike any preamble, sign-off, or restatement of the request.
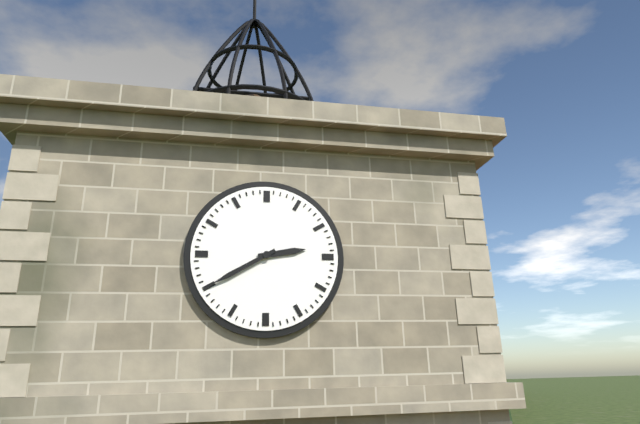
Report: 2:40
